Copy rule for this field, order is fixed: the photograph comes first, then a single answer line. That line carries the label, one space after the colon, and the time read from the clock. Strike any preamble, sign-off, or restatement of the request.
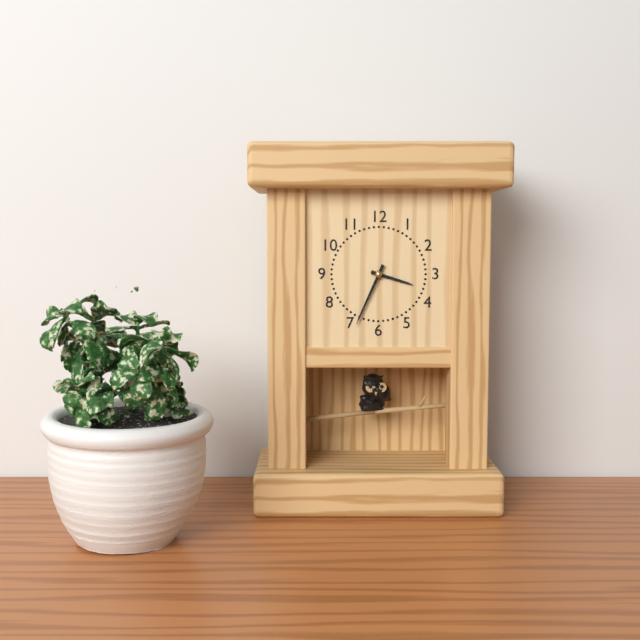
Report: 3:34
